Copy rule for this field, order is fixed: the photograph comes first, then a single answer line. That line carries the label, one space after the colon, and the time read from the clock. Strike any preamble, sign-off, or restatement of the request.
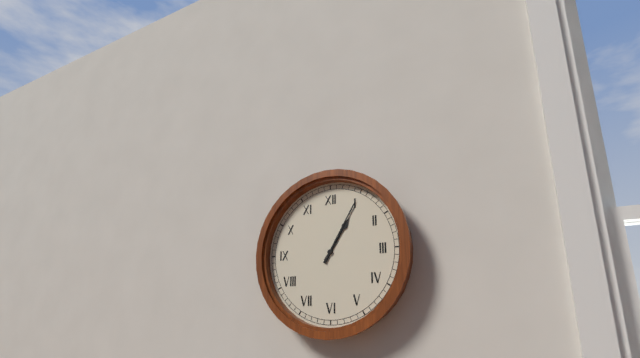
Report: 1:05
